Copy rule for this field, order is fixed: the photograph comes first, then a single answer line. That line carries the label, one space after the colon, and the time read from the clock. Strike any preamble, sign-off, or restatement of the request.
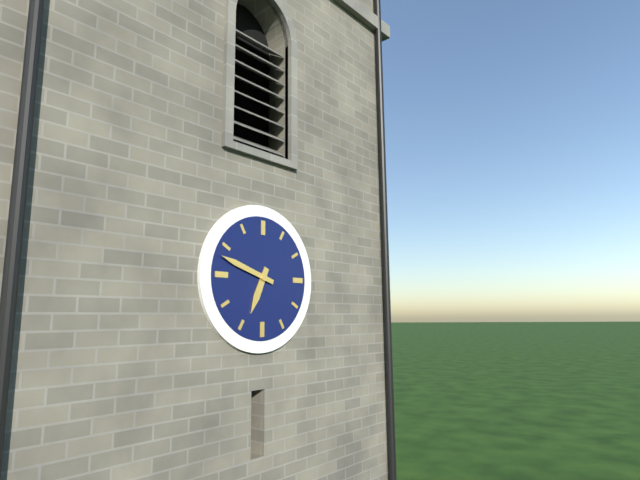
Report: 6:48
